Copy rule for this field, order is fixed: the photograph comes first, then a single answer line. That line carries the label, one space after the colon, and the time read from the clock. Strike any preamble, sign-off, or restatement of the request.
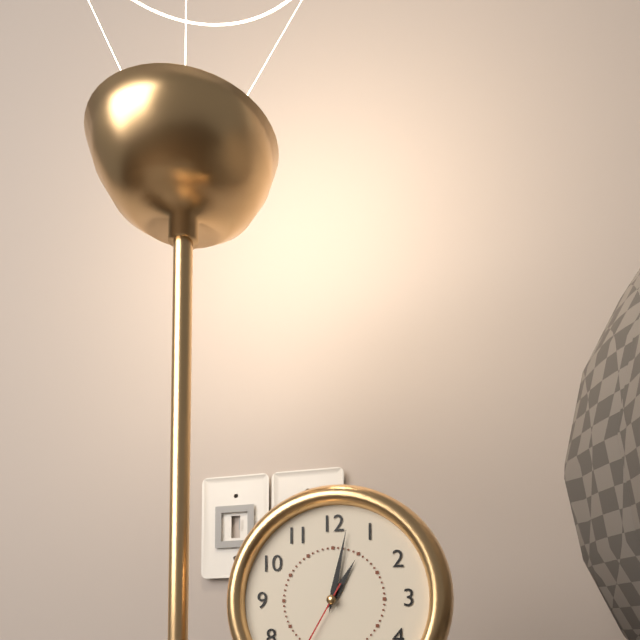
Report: 1:02
